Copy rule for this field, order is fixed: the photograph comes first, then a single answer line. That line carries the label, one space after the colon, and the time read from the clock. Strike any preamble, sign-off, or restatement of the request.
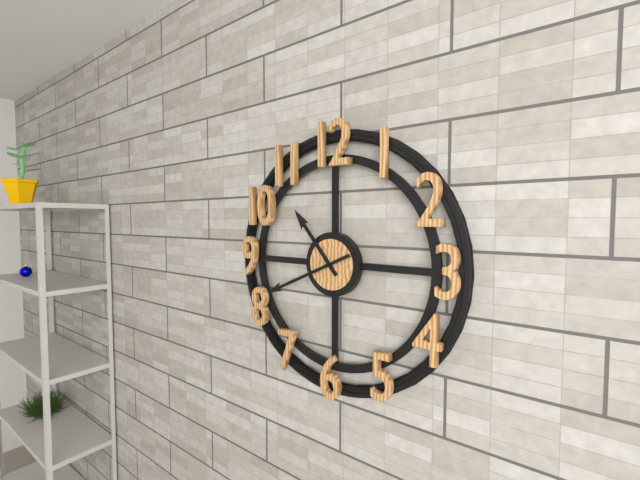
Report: 10:41
